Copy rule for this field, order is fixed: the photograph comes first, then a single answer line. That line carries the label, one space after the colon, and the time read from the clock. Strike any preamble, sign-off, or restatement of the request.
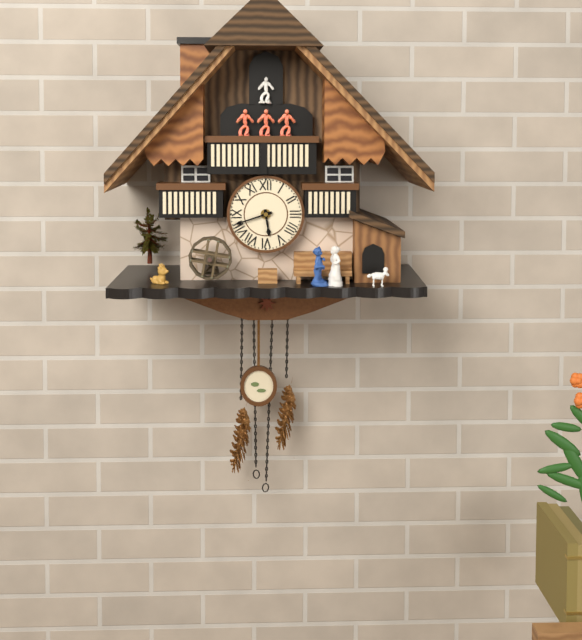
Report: 5:42
